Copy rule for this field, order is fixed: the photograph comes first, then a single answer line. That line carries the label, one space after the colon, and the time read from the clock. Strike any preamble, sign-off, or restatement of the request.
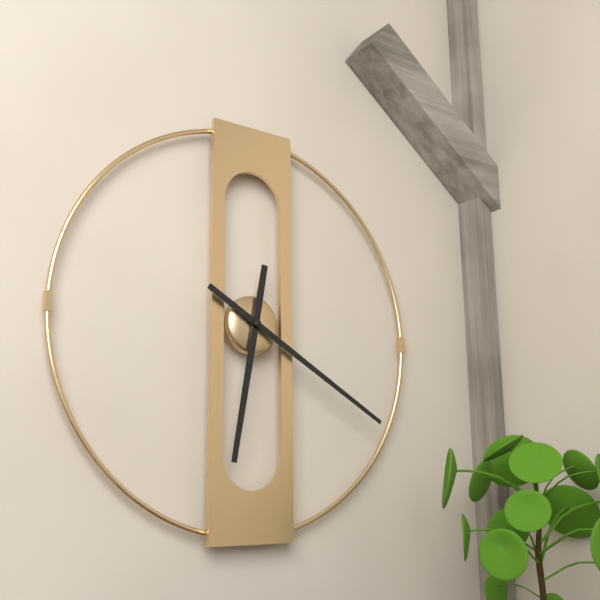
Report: 6:20
